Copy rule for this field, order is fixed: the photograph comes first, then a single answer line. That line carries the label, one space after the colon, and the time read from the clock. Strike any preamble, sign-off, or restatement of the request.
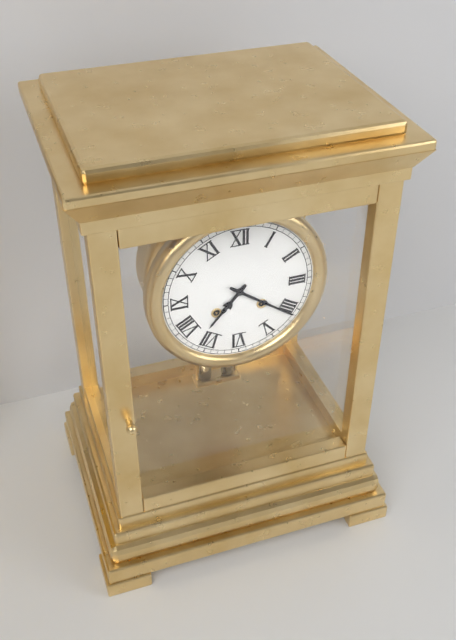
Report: 7:21
